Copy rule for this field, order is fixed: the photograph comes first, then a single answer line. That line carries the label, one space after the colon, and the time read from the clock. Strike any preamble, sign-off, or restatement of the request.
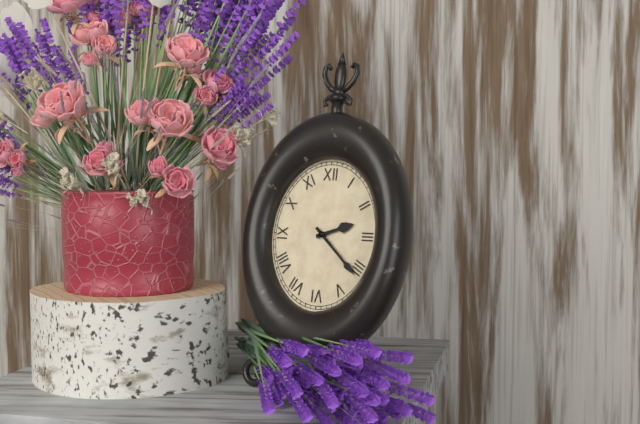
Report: 2:22
